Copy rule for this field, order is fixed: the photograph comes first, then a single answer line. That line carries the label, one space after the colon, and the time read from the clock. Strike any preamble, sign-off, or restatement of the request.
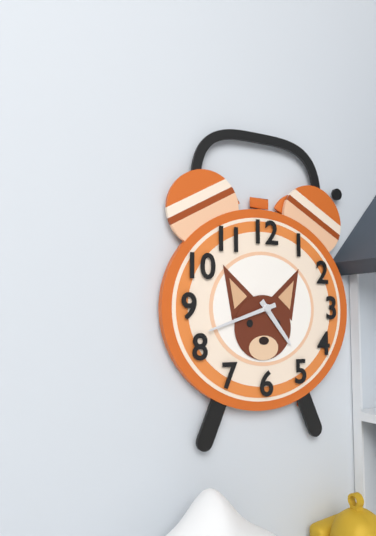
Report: 4:42
